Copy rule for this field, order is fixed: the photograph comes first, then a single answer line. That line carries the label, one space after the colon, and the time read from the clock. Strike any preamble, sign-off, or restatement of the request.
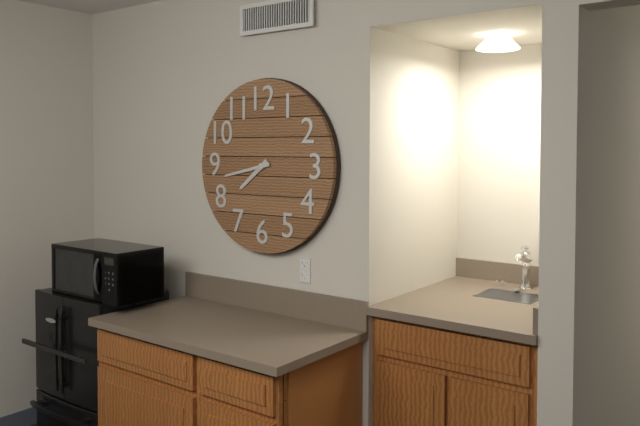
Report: 7:43
